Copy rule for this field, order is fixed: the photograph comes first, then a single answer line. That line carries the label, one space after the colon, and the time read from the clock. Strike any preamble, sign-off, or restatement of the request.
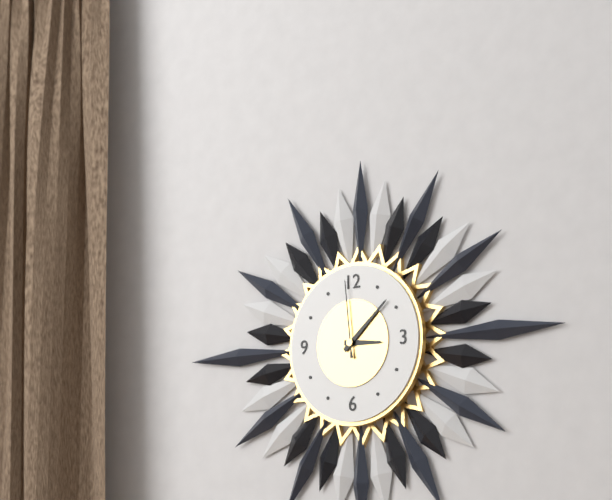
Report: 3:08:59
